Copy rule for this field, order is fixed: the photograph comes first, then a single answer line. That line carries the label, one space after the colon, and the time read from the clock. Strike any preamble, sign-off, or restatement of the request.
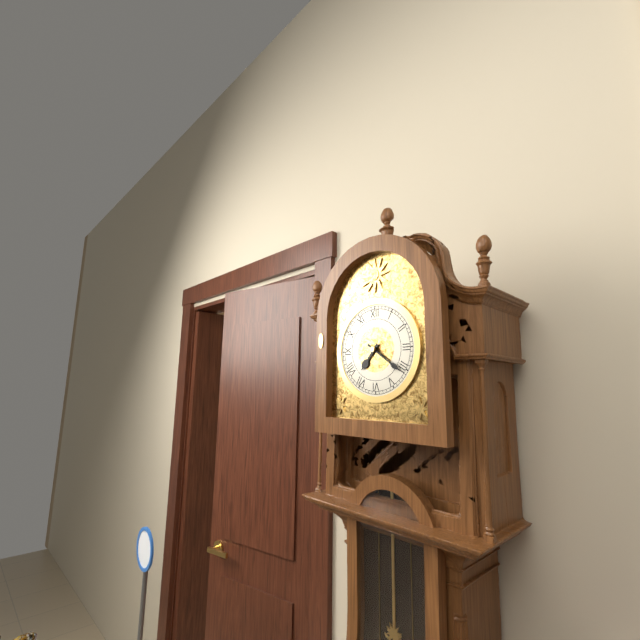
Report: 7:21
